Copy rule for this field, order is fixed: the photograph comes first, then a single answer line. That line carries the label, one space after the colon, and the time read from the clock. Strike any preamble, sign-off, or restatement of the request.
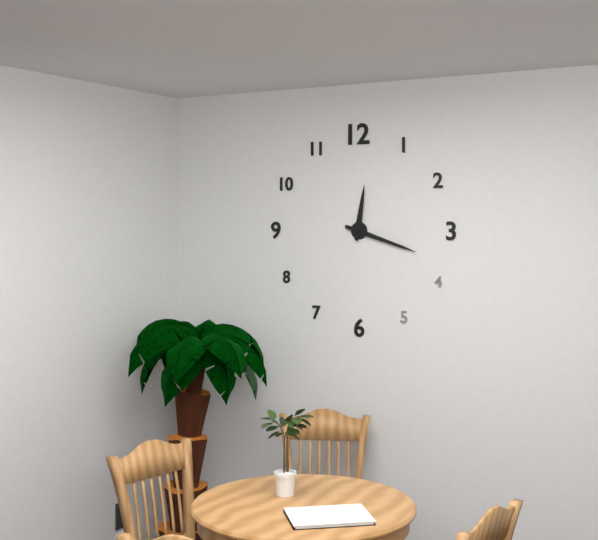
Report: 12:18
